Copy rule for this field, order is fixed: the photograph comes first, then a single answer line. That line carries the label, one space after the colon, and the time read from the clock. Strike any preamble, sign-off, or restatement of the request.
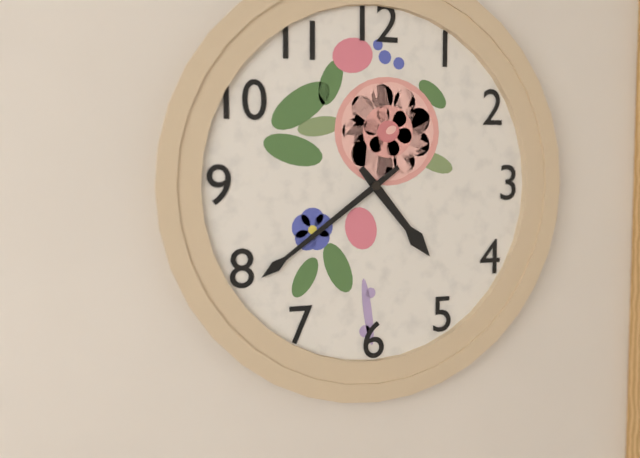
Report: 4:39
